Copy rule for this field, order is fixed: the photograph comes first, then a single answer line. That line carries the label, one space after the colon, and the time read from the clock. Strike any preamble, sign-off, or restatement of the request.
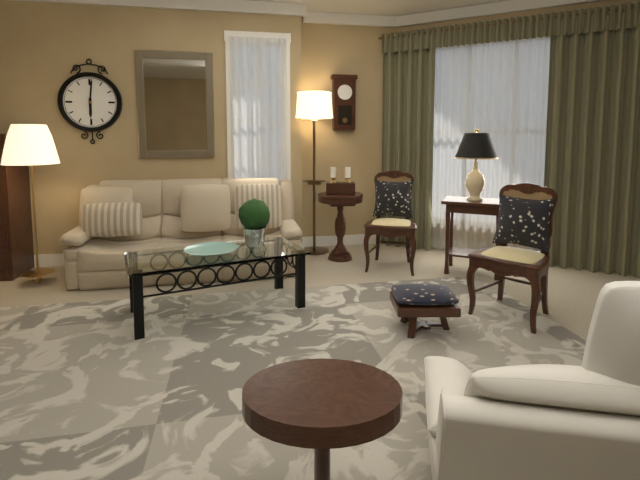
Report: 6:01
